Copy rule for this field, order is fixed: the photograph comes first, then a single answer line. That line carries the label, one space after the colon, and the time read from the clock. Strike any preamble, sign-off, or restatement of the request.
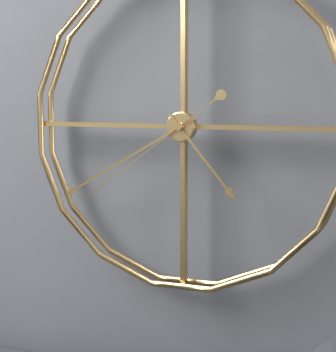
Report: 4:40:39
